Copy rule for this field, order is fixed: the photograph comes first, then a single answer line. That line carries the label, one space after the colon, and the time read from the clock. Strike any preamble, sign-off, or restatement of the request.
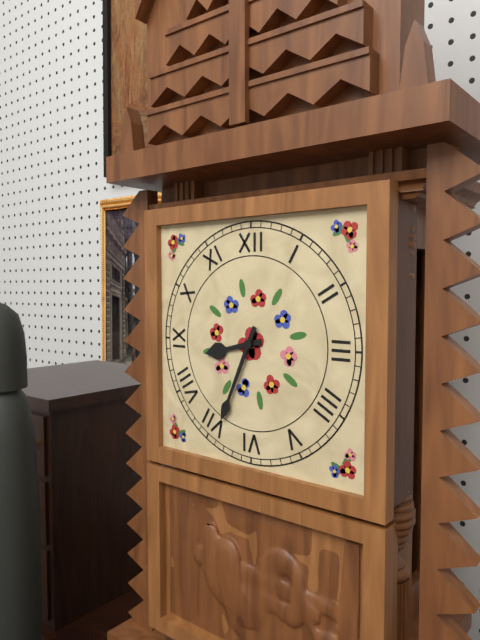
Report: 8:34
